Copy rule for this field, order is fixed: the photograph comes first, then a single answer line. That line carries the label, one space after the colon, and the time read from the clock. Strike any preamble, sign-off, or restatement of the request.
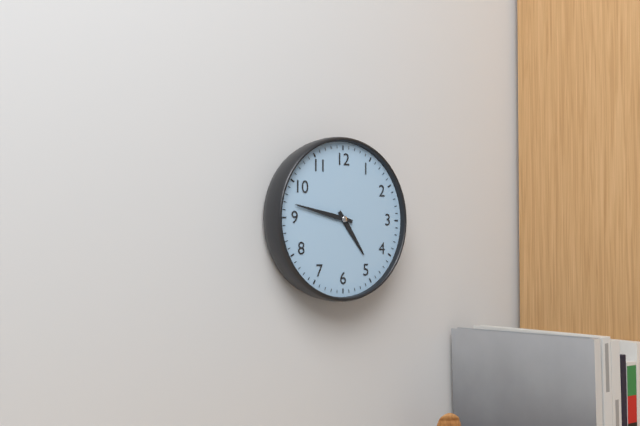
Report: 4:47
